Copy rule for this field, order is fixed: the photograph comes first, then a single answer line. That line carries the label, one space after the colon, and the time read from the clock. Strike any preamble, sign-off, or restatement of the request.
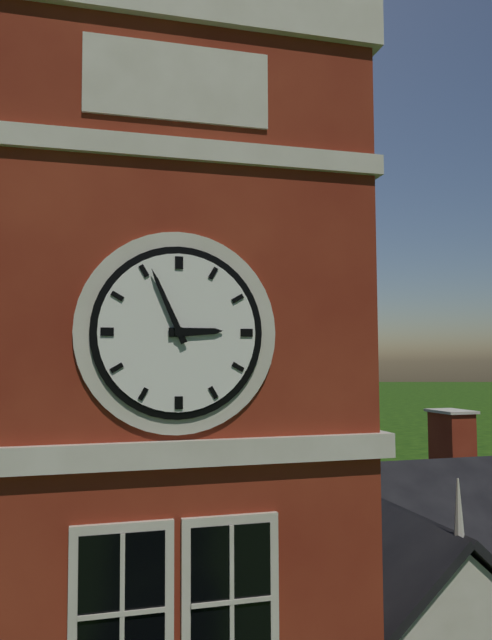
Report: 2:56
